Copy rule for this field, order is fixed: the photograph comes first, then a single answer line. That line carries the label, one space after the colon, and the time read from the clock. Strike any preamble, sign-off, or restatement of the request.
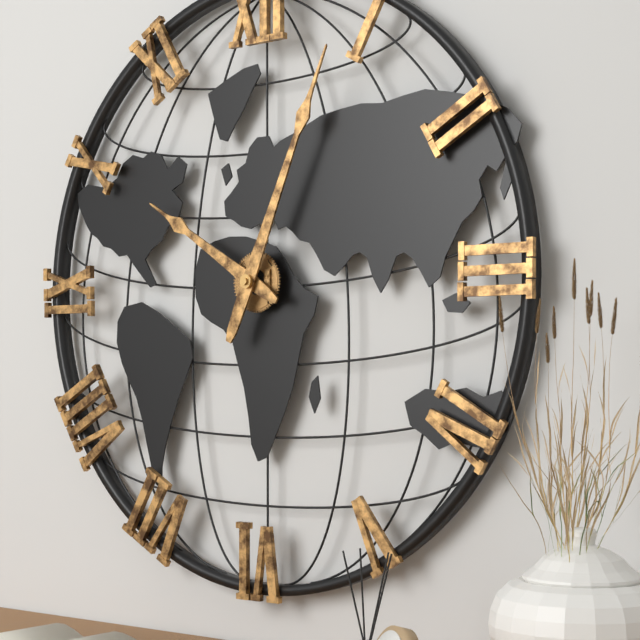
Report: 10:04
